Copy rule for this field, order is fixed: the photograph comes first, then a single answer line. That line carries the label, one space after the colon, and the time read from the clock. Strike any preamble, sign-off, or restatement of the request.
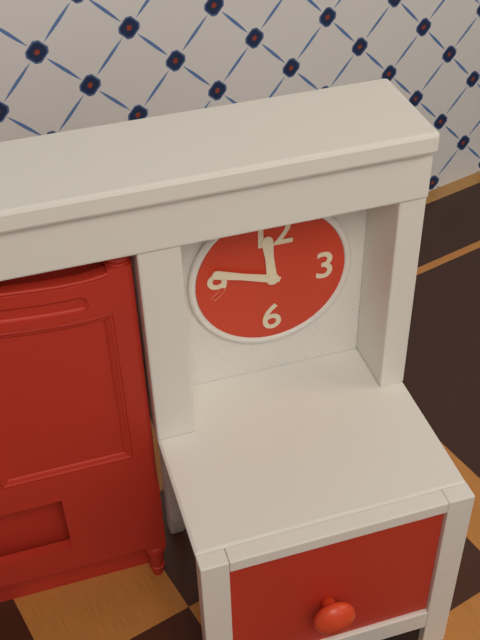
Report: 11:48
